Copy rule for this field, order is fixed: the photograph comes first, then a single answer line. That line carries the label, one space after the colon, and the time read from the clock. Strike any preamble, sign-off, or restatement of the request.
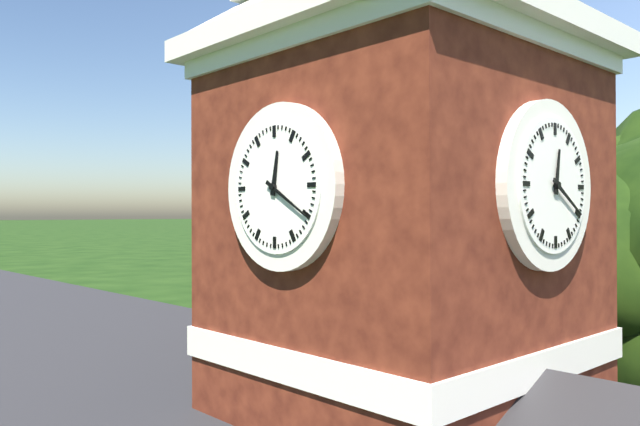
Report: 12:20
